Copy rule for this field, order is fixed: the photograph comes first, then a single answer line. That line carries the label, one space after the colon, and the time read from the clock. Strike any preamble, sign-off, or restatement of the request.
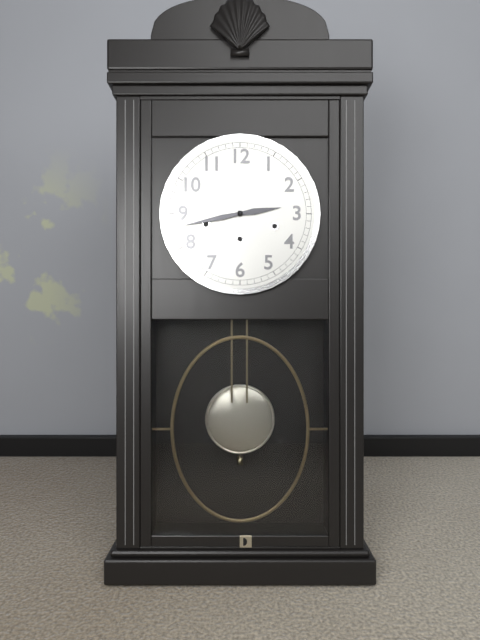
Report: 2:43
